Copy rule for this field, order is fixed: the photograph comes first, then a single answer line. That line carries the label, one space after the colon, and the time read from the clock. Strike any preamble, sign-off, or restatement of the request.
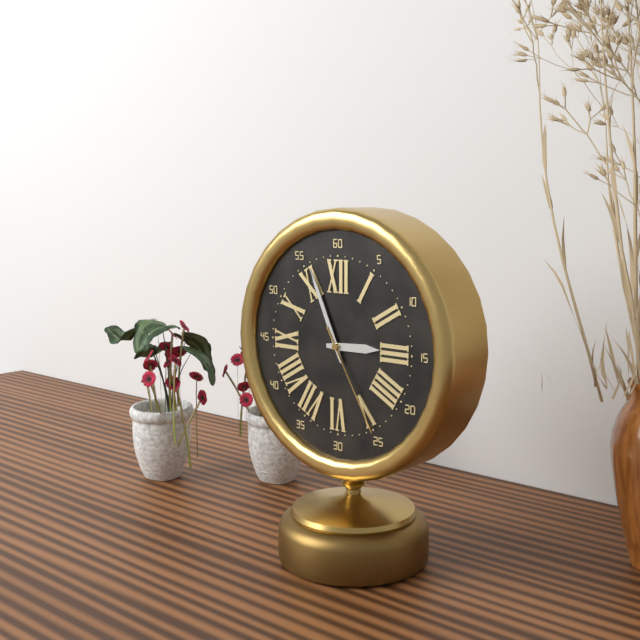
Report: 2:56:25
